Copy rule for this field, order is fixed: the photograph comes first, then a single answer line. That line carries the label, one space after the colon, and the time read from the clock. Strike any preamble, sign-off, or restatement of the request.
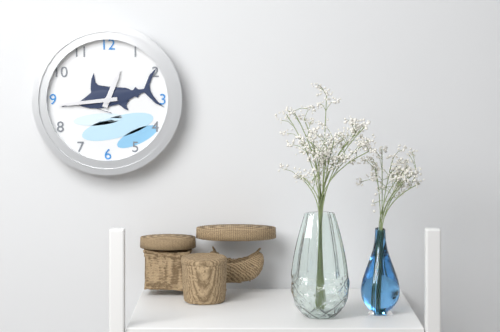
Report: 12:44
